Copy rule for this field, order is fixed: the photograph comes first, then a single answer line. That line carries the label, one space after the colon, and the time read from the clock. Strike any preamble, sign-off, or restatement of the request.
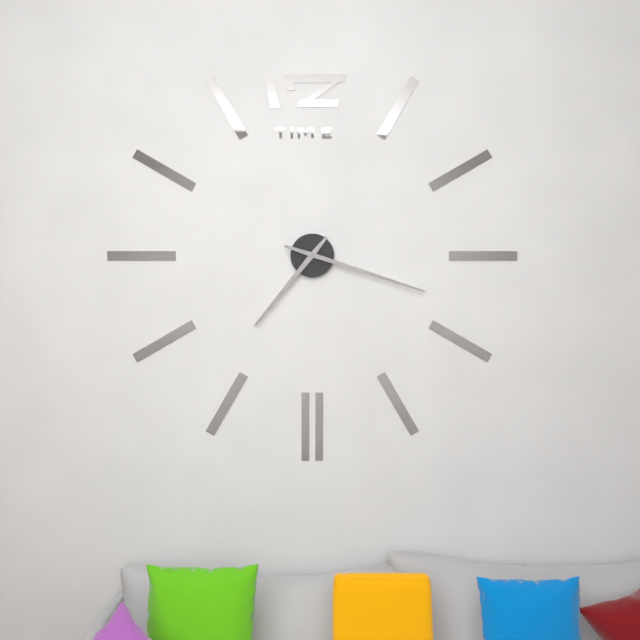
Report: 7:18
